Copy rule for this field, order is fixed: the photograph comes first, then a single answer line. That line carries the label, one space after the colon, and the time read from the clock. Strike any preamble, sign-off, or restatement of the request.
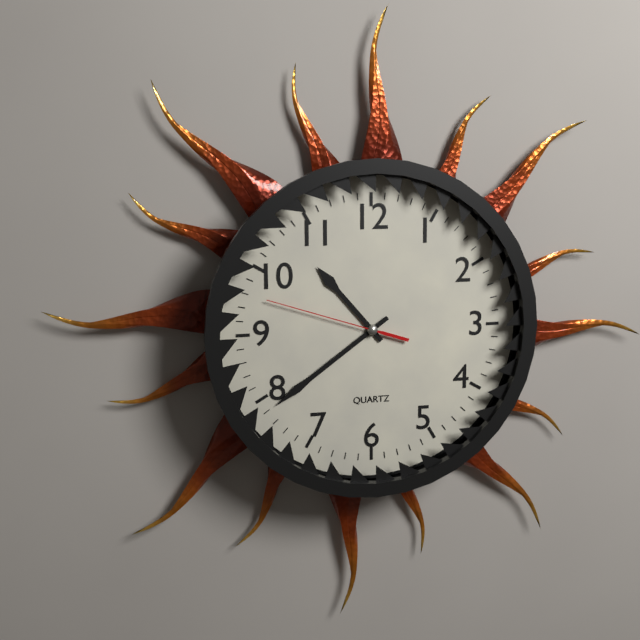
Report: 10:39:48
